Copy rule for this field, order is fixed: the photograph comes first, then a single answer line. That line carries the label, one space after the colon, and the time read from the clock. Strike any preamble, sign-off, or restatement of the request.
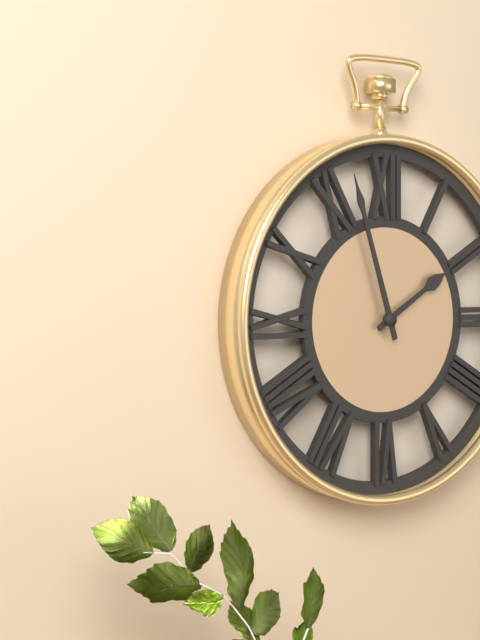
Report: 1:57
